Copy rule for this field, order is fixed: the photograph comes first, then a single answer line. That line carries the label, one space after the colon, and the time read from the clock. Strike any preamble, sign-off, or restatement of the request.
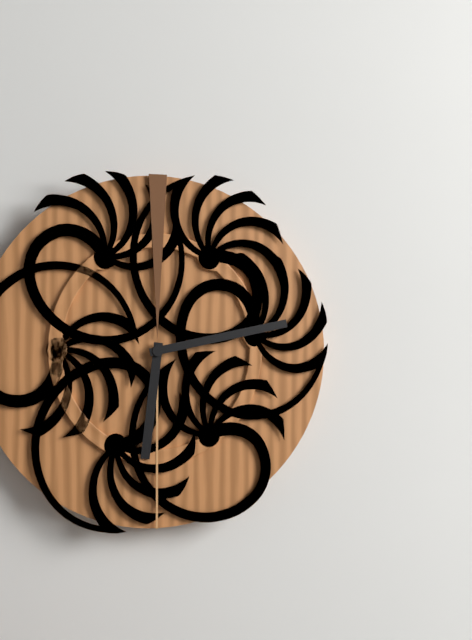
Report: 6:13
